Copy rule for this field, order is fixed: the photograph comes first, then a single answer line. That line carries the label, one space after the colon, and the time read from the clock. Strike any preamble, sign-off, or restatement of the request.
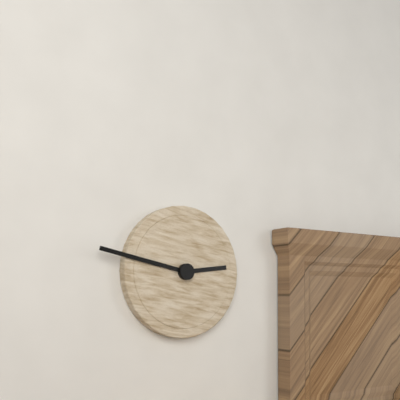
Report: 2:47
